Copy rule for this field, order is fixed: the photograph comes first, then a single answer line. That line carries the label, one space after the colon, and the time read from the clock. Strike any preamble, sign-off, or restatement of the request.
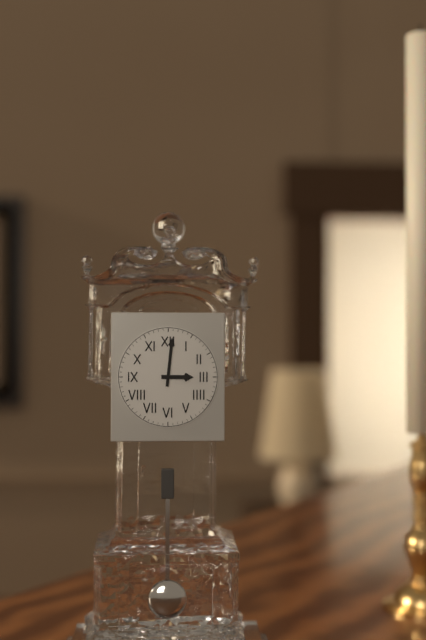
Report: 3:01
